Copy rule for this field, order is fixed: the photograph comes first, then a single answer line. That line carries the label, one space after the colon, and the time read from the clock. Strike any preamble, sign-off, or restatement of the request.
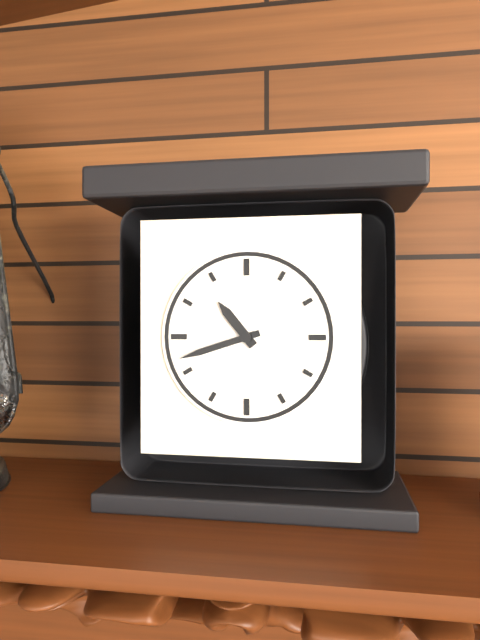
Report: 10:42
